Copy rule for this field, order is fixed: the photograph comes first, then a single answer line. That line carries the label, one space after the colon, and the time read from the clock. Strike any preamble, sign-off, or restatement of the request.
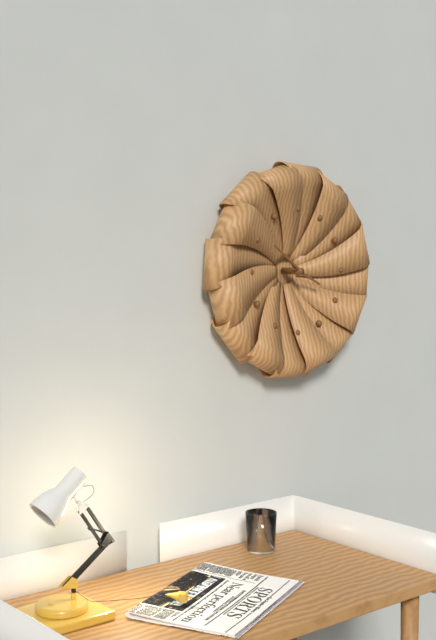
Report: 3:51
